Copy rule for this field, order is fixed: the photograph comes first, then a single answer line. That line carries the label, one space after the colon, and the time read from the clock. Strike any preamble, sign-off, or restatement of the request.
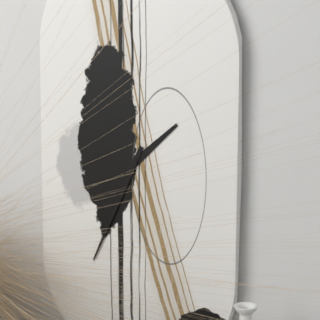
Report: 1:34
